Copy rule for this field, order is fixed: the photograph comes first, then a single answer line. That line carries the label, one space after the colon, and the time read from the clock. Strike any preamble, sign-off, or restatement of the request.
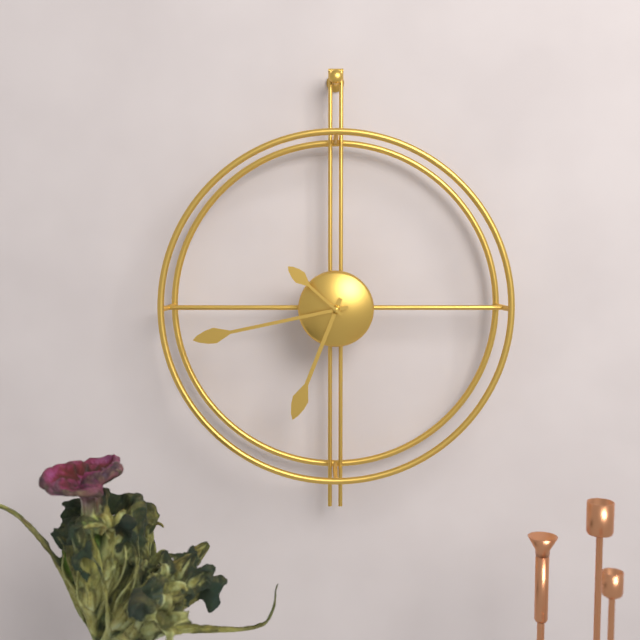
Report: 6:43:52
